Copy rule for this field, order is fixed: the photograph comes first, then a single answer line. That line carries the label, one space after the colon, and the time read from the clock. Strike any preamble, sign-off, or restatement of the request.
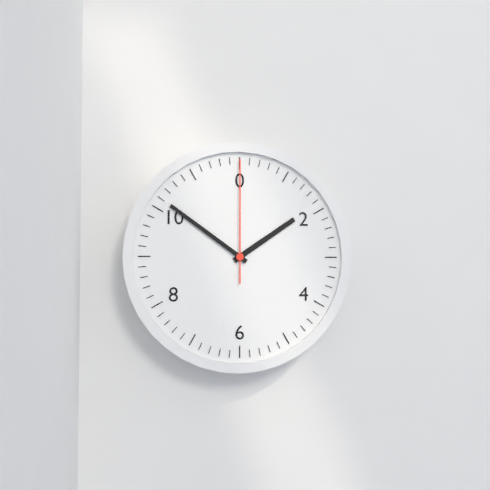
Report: 1:51:00
